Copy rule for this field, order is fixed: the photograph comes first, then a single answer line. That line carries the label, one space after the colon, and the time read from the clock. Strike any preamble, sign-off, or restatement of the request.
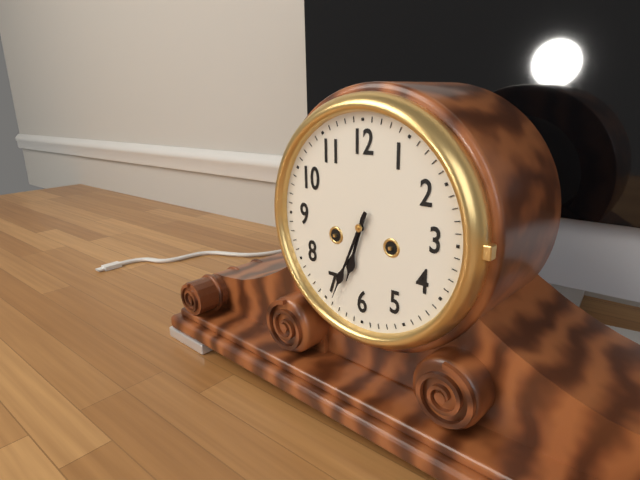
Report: 6:34
